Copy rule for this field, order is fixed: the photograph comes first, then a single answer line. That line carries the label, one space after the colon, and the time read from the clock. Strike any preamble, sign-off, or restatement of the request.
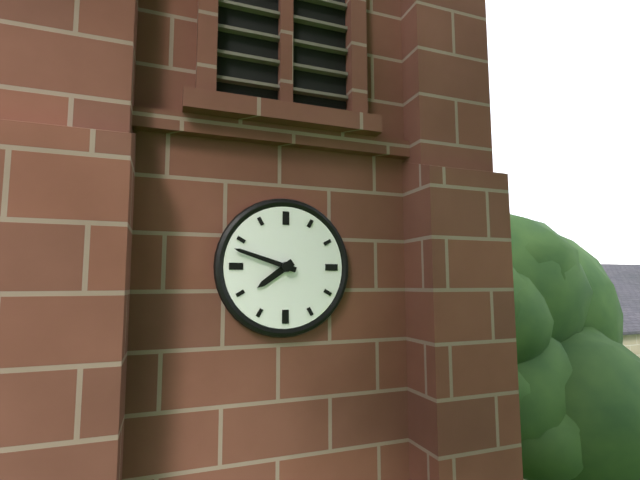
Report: 7:48
